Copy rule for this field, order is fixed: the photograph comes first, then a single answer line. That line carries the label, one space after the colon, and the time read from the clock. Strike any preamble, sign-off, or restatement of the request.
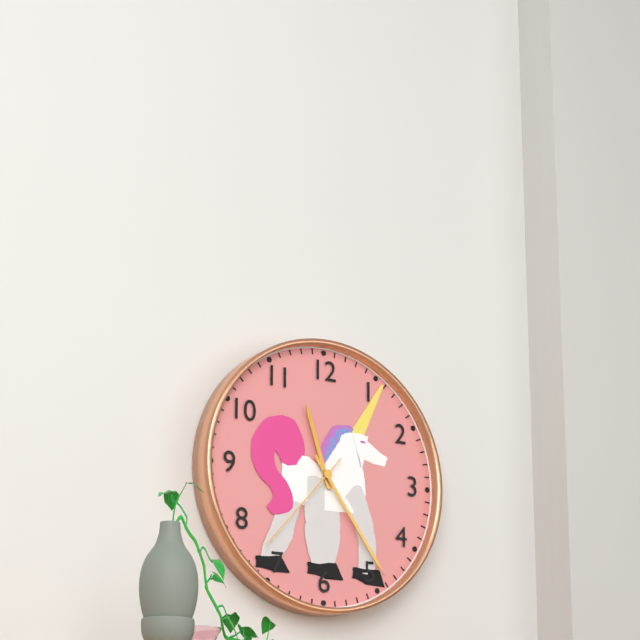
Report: 11:24:37
